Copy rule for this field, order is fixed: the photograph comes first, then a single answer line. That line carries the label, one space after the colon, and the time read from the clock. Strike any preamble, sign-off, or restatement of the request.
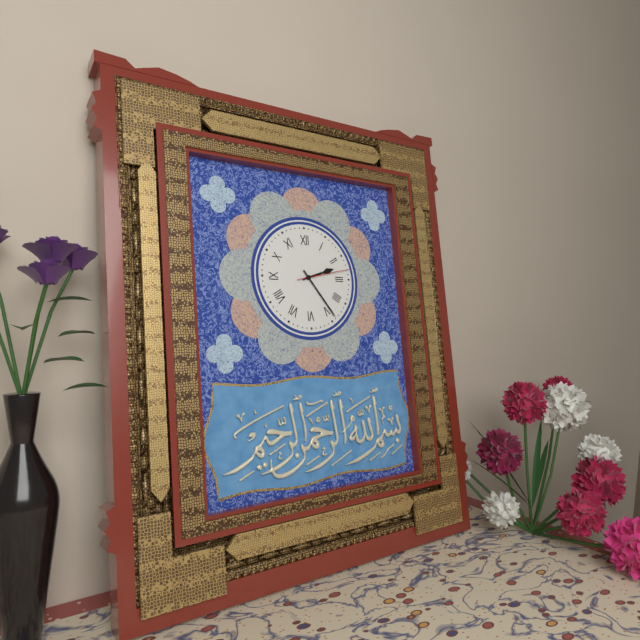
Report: 2:24:13
